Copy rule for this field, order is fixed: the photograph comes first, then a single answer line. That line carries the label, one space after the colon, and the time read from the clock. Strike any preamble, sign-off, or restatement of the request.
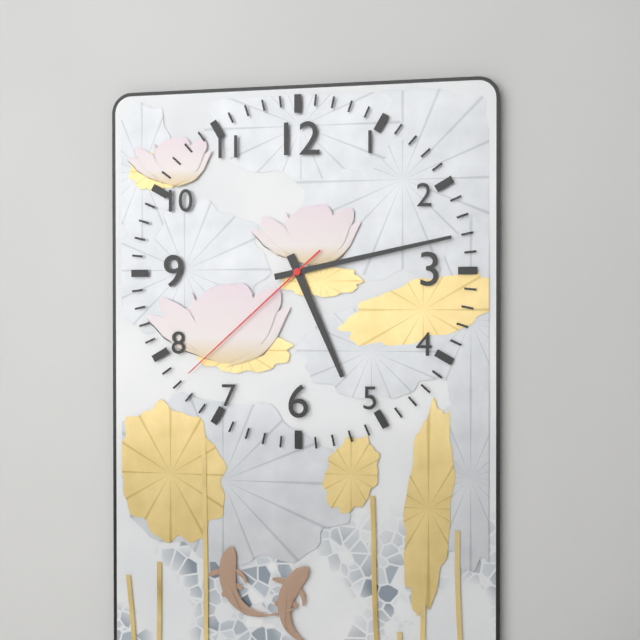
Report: 5:13:38
